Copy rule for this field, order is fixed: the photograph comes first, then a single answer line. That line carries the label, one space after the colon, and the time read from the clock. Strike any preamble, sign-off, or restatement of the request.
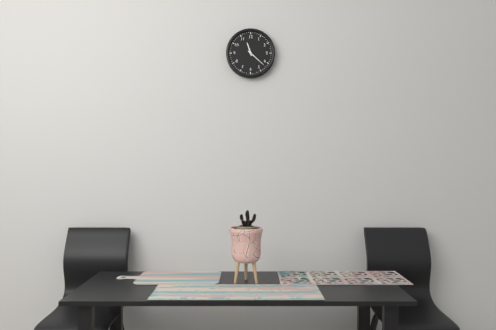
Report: 11:22
